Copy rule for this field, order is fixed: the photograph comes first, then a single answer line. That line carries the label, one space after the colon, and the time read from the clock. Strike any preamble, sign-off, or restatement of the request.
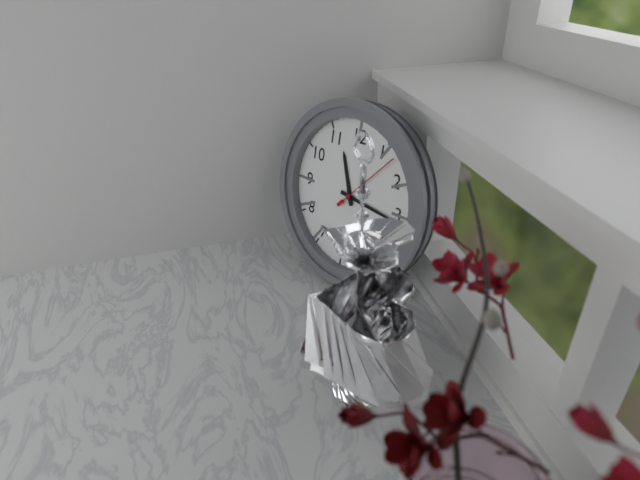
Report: 11:16:07
